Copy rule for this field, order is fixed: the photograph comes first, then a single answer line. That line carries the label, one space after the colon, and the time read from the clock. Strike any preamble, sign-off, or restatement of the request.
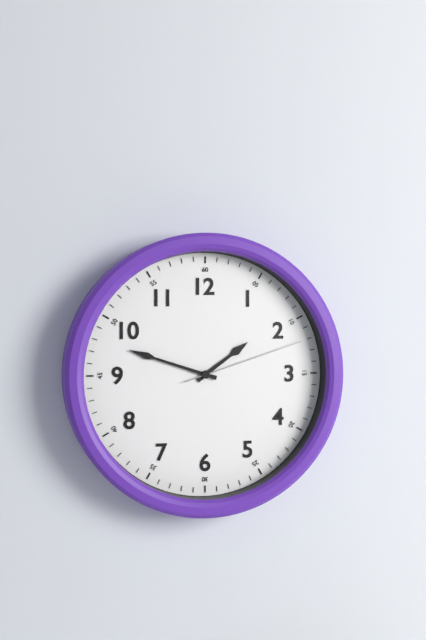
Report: 1:48:12
